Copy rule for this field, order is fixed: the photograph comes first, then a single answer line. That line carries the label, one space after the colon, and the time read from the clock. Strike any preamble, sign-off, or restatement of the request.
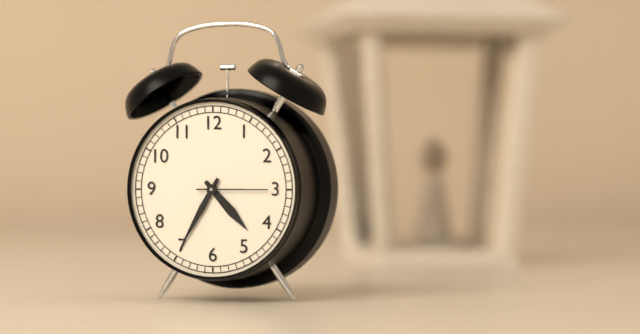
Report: 4:35:15
